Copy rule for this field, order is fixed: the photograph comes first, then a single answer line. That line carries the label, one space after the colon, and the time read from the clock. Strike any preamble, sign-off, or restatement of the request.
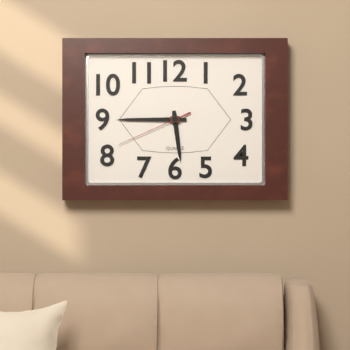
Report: 5:45:41
